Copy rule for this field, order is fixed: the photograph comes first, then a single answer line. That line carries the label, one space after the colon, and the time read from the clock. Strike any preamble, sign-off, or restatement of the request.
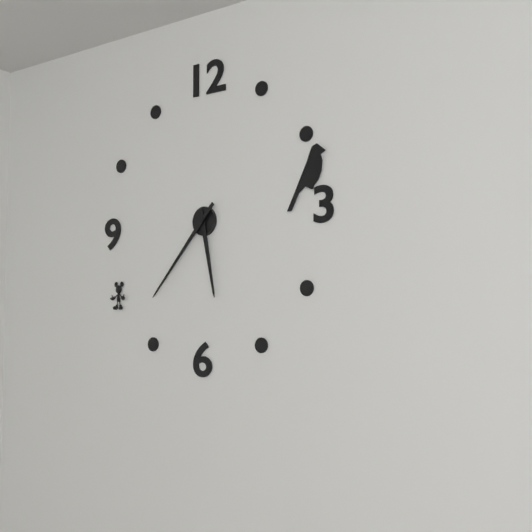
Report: 5:37
